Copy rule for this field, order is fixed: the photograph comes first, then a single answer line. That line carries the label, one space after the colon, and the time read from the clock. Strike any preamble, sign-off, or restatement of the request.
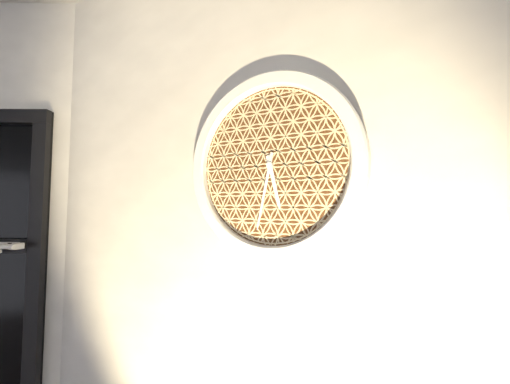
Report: 5:32
